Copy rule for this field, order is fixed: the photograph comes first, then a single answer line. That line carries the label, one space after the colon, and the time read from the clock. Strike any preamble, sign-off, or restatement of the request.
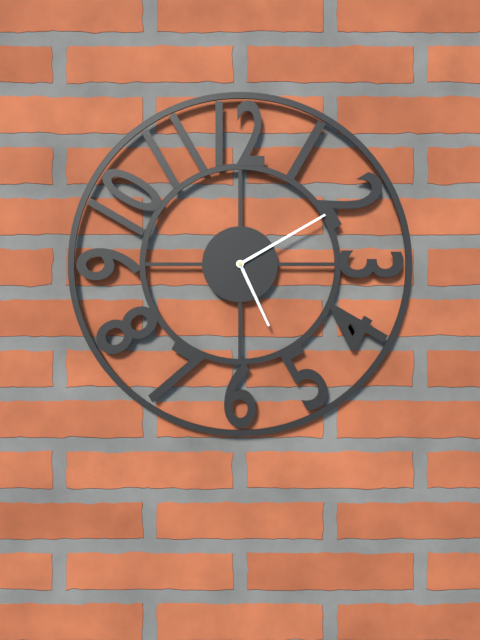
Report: 5:10
